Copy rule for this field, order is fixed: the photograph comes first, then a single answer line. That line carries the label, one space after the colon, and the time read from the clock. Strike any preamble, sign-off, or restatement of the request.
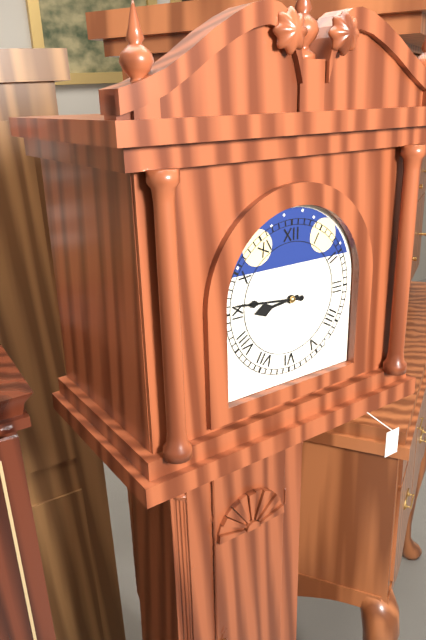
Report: 8:46
